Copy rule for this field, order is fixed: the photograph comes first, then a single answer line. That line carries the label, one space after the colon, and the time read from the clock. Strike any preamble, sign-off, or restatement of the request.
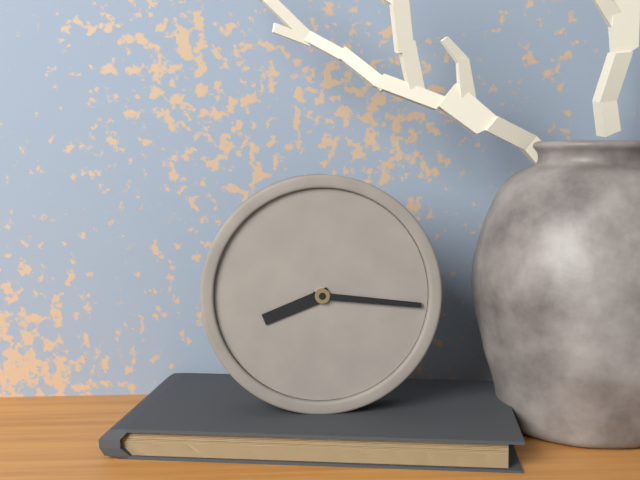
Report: 8:16
